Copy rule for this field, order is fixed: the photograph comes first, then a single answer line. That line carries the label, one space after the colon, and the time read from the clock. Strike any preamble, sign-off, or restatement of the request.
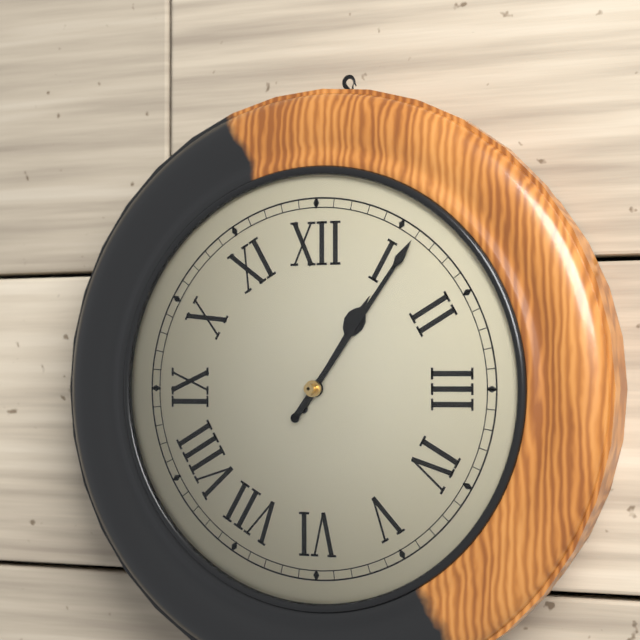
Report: 1:06
